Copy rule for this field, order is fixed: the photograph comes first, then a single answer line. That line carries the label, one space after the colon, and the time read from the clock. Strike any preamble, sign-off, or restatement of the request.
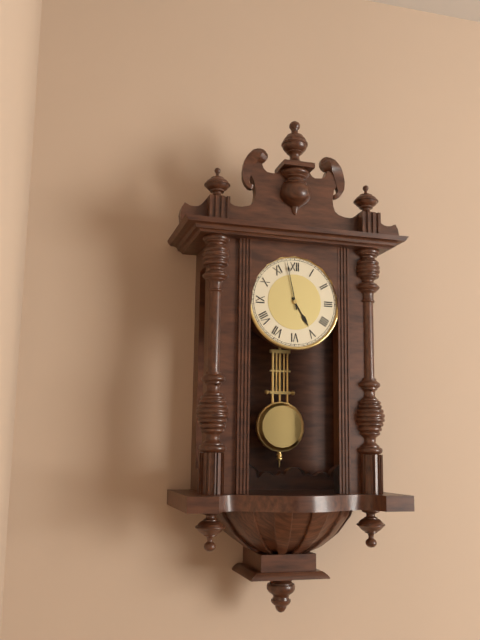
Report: 4:58
